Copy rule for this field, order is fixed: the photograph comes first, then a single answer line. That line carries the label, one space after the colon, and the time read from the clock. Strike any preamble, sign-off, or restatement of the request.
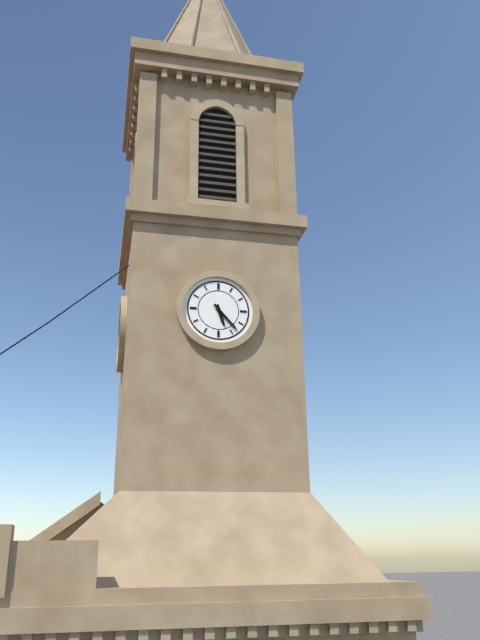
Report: 5:23
